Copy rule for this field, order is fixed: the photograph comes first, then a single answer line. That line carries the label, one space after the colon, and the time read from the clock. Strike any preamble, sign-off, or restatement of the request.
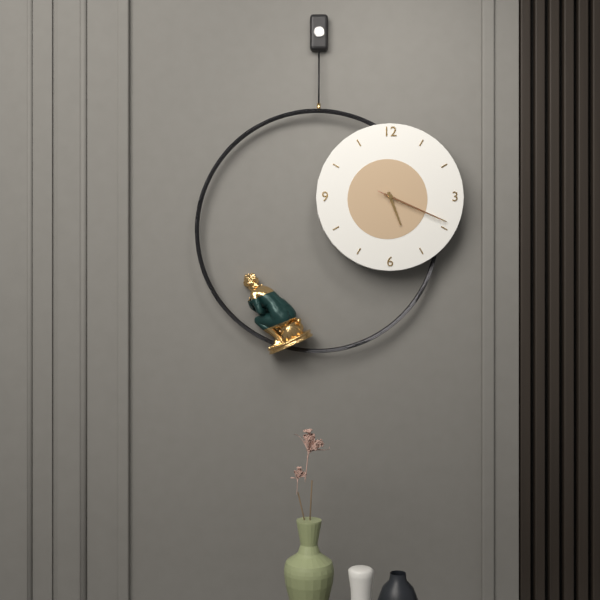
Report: 5:19:19
